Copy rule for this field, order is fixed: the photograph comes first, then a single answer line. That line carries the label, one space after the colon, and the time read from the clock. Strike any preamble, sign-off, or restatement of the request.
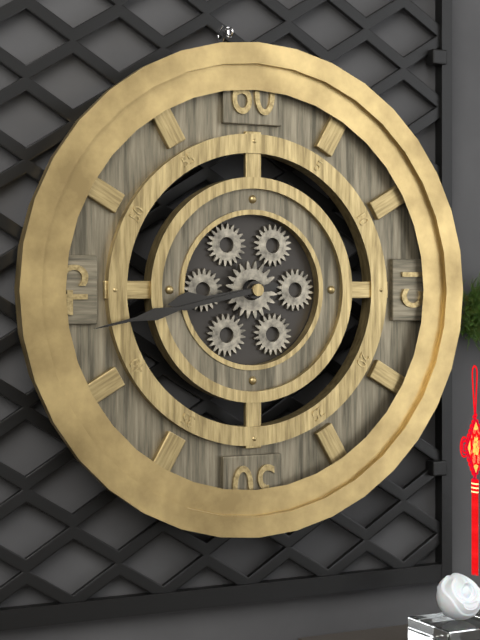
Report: 8:43
